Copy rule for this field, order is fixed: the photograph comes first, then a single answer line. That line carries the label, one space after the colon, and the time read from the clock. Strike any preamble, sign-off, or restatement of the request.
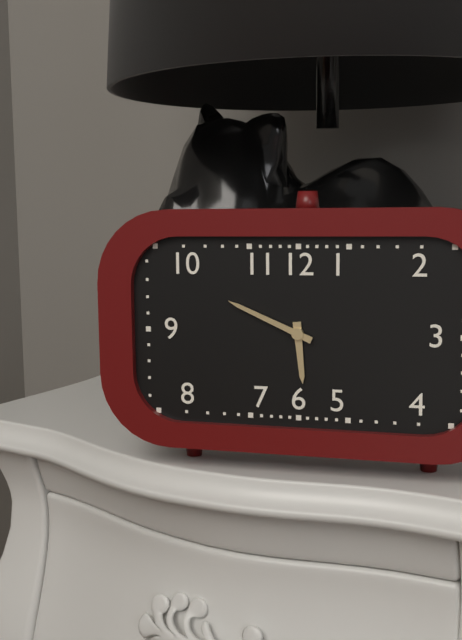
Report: 5:49
